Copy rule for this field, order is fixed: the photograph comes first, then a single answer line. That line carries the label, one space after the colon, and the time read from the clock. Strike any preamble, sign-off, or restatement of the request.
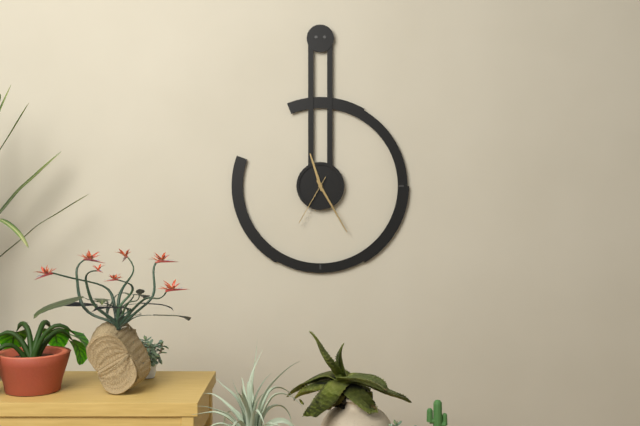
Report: 11:25:35
